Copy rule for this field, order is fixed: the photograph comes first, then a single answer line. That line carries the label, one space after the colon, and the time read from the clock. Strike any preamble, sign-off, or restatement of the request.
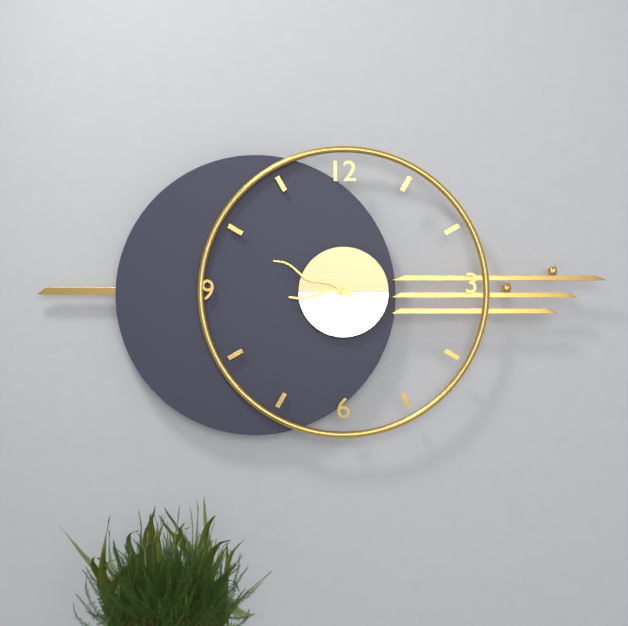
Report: 8:49
